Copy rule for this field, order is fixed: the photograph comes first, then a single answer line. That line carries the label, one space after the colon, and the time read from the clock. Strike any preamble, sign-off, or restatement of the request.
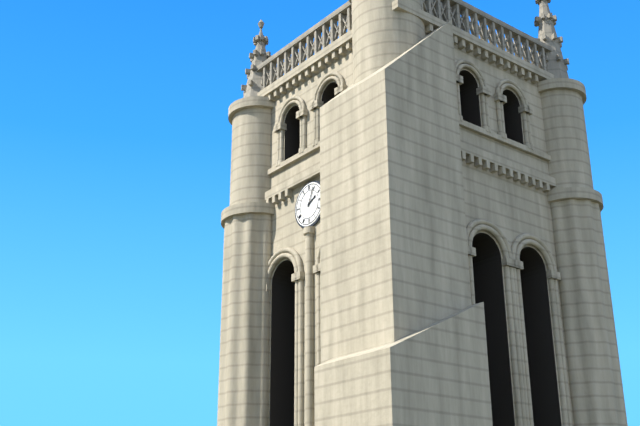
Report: 2:04
